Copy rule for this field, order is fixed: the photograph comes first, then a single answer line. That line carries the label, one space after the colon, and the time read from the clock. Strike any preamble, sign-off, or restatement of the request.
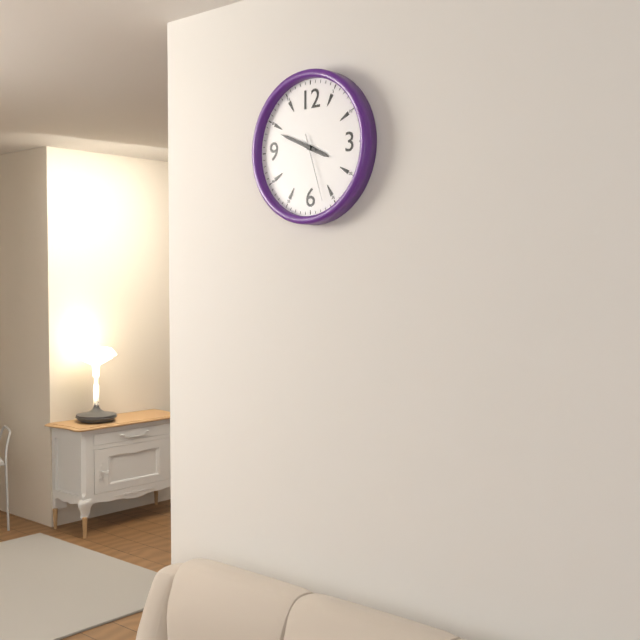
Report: 3:49:27
